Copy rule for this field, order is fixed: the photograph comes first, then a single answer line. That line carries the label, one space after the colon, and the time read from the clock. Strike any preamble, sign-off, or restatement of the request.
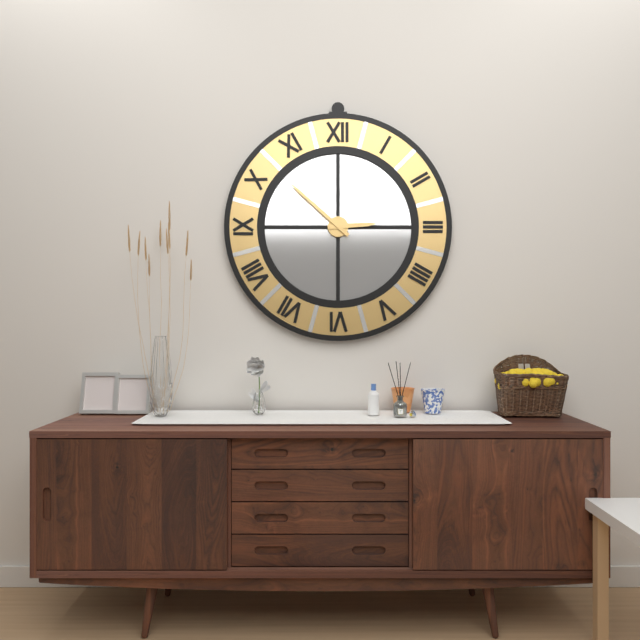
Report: 2:52
